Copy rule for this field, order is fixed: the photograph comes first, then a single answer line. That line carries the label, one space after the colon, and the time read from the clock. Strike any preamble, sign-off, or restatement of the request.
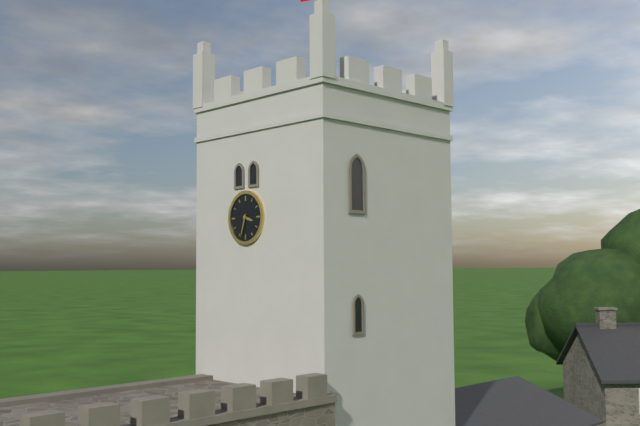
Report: 3:33
